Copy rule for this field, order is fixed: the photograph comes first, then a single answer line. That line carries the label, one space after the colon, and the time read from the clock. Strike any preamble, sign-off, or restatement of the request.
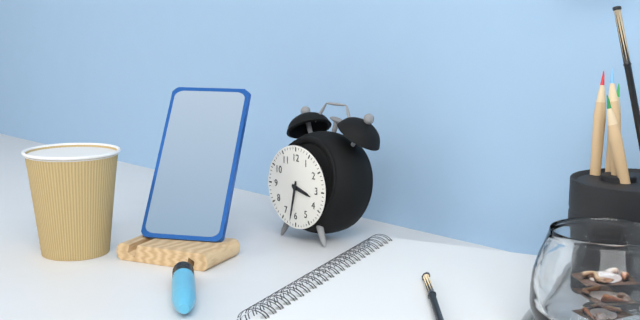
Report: 3:32
